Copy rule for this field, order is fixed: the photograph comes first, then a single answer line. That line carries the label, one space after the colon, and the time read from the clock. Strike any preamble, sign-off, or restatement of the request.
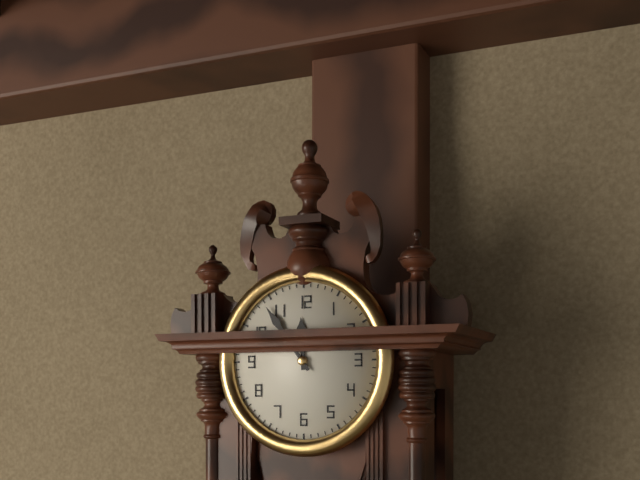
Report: 11:54
